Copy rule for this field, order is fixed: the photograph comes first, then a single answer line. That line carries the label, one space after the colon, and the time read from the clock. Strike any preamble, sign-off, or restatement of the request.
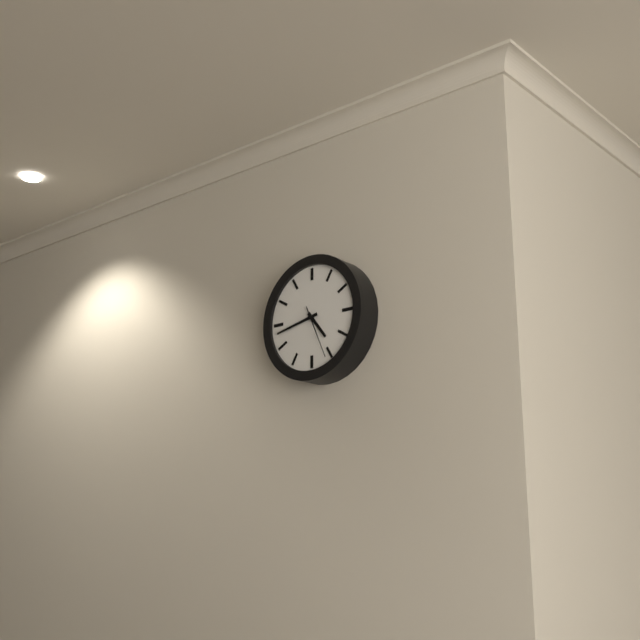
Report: 4:43
